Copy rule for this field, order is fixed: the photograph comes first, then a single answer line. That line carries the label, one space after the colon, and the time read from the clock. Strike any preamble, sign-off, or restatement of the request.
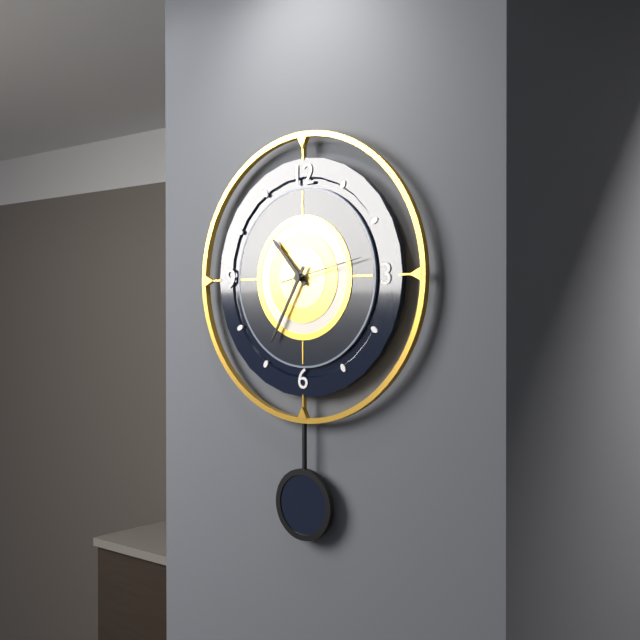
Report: 10:35:13
